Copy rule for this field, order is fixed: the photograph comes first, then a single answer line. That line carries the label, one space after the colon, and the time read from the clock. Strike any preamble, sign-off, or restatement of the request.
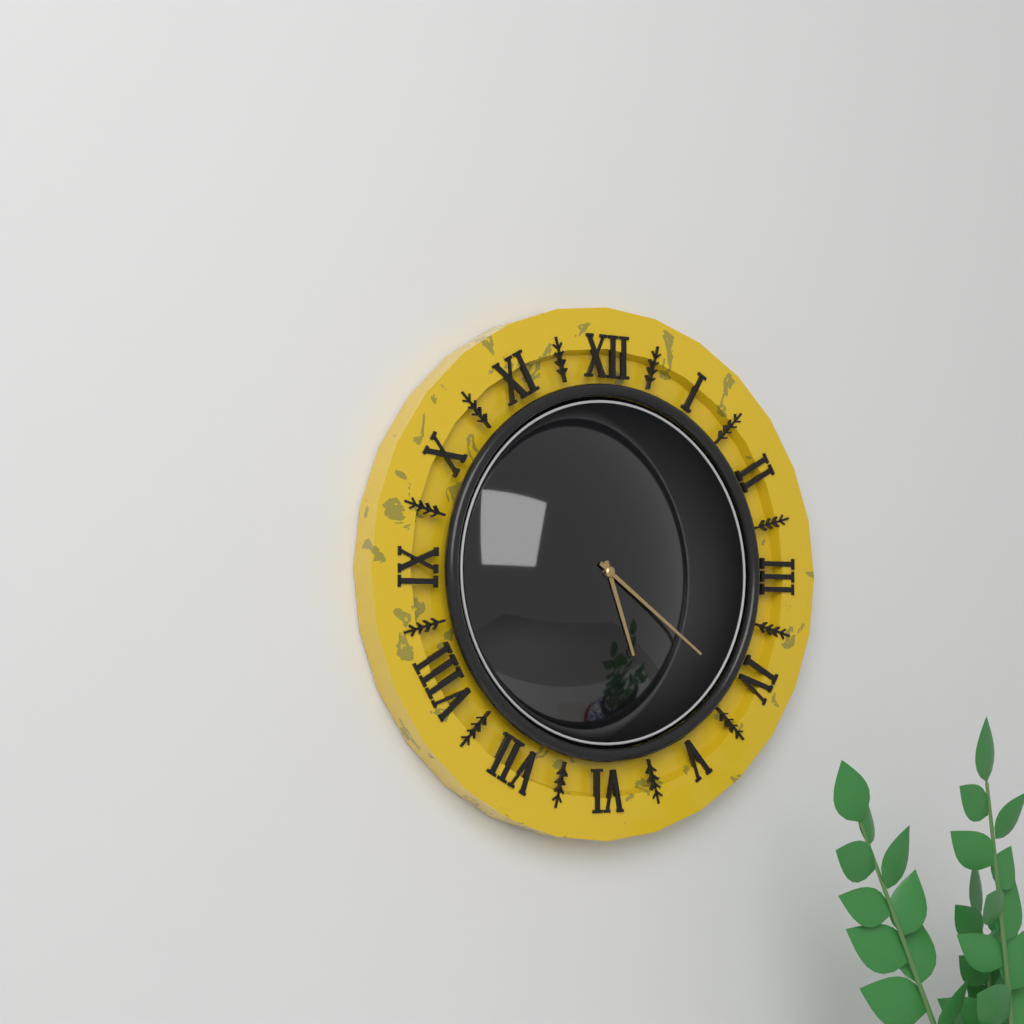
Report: 5:21
